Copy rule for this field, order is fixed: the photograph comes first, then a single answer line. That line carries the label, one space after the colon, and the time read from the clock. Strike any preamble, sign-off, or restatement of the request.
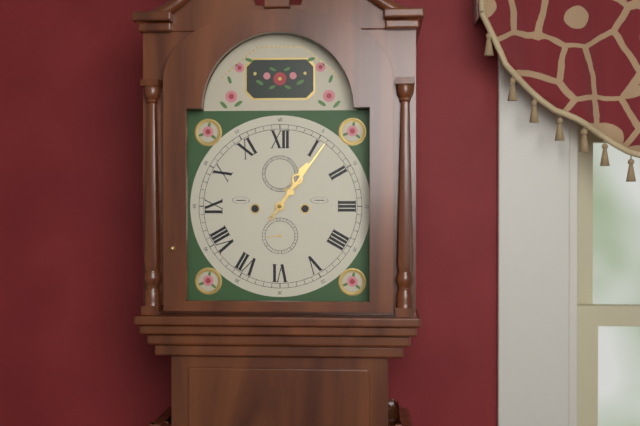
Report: 1:06
